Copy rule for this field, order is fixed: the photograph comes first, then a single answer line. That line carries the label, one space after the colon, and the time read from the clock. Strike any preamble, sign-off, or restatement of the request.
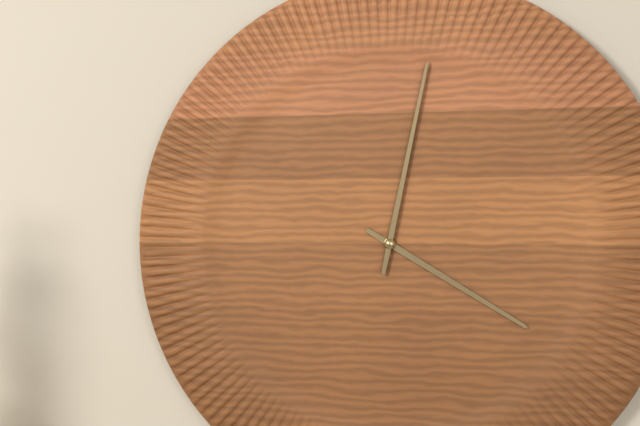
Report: 4:02
